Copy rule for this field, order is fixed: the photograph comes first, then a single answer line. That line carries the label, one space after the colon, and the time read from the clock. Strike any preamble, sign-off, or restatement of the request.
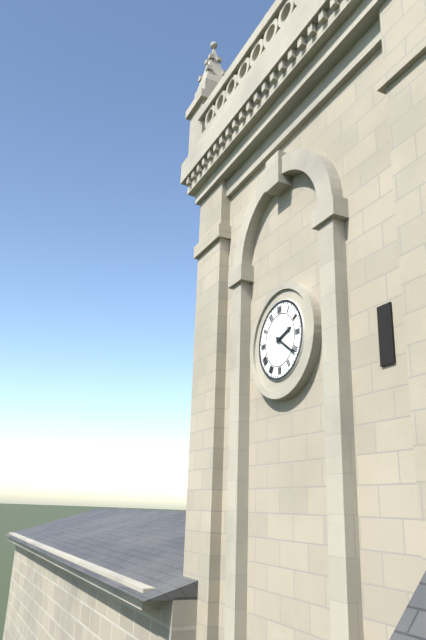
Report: 2:21
